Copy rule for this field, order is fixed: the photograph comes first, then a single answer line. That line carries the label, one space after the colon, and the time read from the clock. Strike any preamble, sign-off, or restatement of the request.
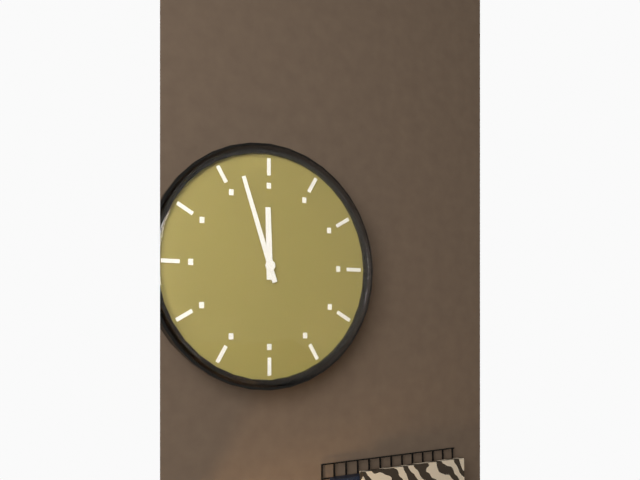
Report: 11:57
